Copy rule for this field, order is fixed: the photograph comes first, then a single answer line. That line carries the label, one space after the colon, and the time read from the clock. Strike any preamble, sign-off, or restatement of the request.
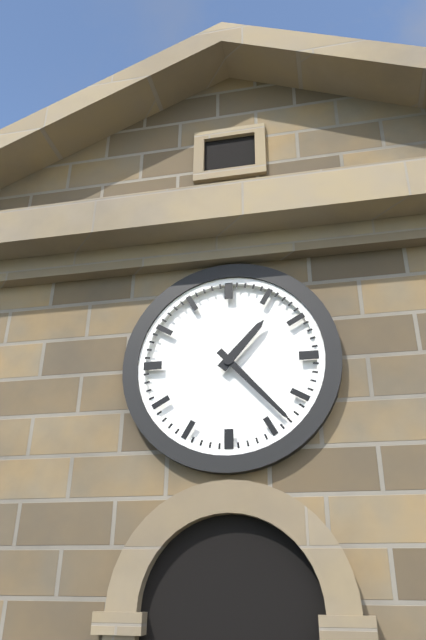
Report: 1:23
